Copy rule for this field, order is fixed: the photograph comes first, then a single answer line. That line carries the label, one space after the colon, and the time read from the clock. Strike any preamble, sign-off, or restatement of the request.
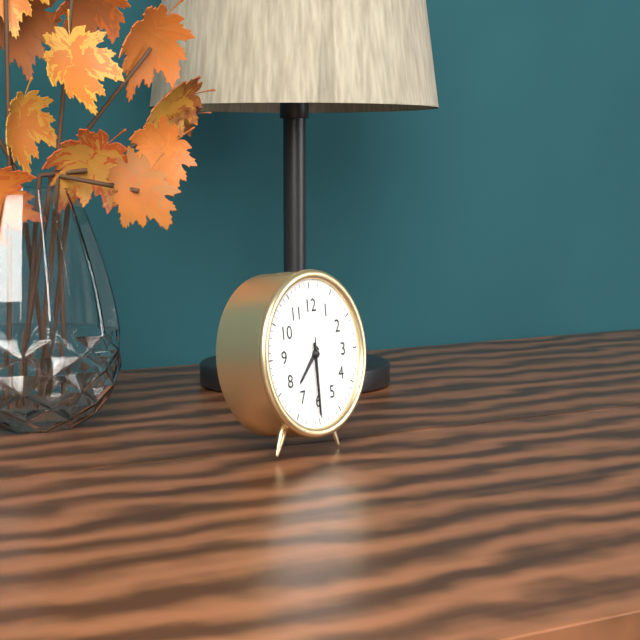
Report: 7:30:30
